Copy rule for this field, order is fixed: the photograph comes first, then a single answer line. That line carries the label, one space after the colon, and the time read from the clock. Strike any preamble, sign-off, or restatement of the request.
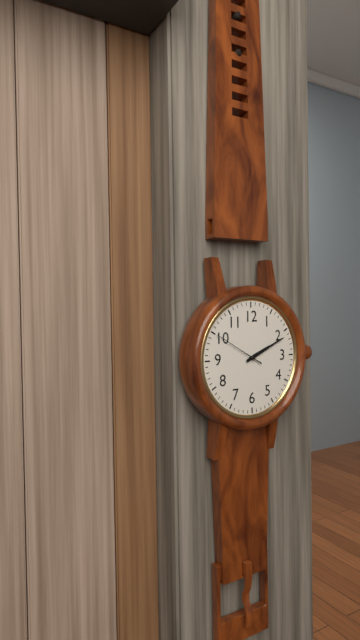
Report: 2:11:50
